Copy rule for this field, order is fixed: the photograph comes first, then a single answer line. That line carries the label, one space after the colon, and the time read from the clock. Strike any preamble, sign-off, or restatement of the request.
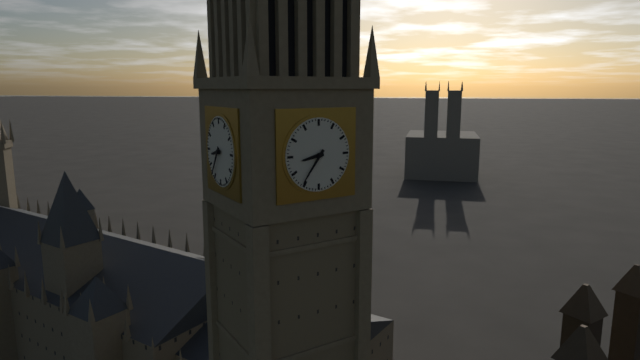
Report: 8:36
